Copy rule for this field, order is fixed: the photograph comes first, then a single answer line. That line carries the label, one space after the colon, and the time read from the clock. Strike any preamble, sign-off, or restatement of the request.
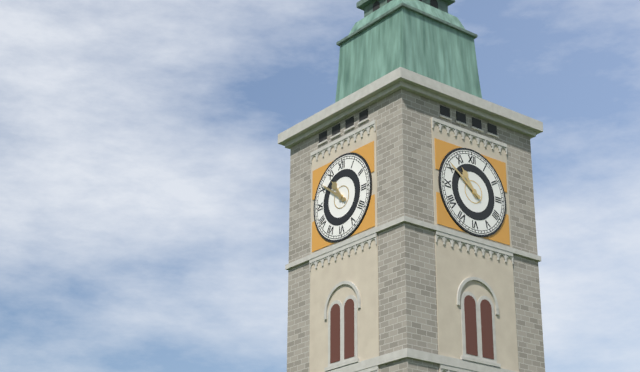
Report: 10:51
